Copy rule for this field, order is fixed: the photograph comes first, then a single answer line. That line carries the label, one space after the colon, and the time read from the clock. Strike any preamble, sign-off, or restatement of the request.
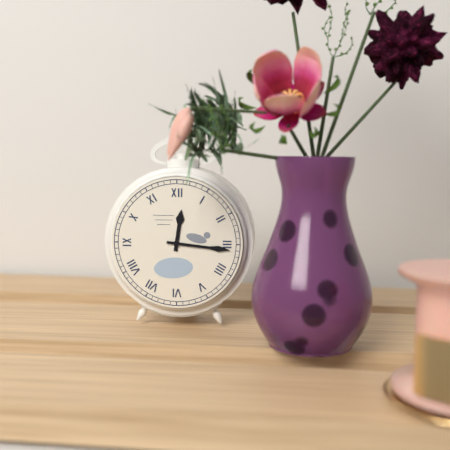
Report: 12:16
